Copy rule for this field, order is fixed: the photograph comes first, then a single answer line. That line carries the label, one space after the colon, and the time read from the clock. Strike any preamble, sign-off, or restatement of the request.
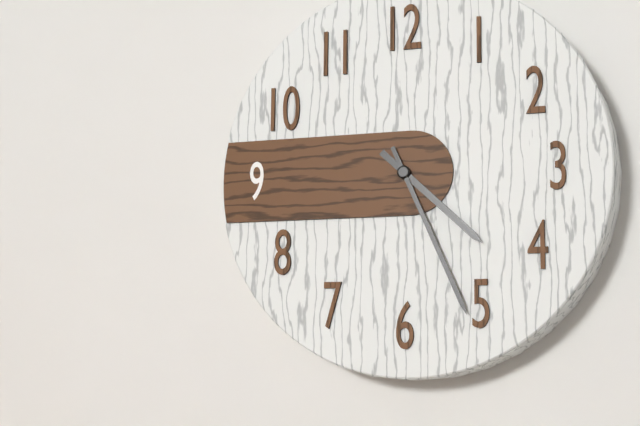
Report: 4:26
